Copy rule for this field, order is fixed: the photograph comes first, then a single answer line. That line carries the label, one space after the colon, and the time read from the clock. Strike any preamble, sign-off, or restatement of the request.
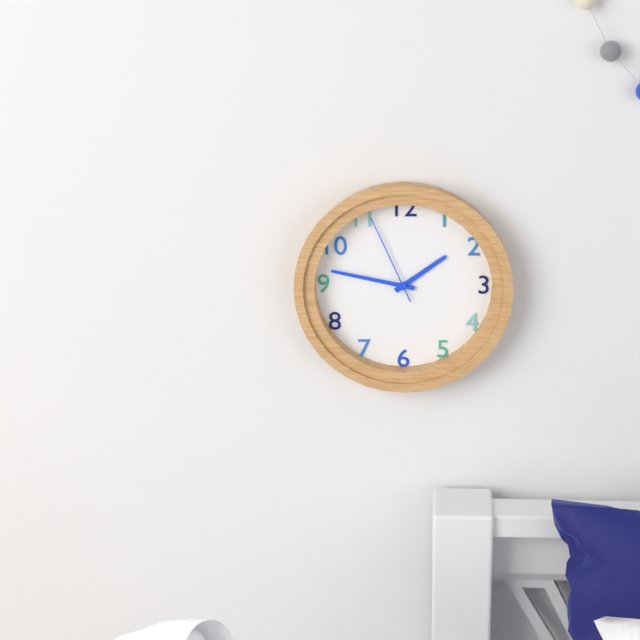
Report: 1:47:56
